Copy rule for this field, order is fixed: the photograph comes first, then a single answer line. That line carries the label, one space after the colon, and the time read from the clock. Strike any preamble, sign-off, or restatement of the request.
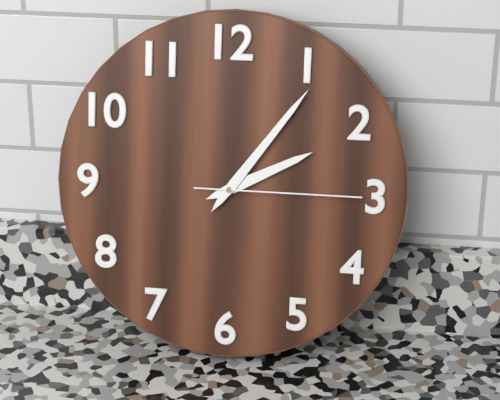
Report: 2:06:15
